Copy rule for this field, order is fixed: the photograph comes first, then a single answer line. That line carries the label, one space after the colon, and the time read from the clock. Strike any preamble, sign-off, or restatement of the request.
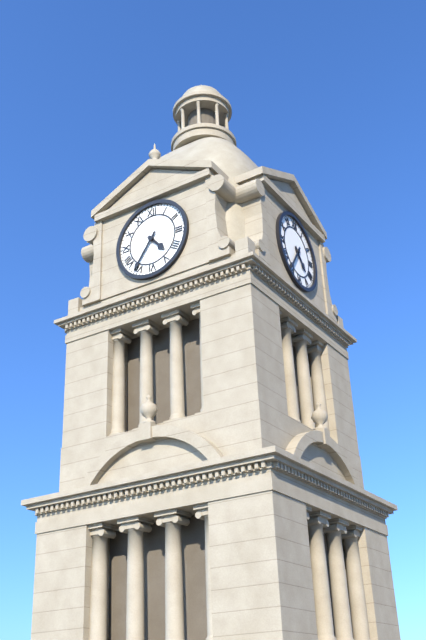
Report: 4:36
